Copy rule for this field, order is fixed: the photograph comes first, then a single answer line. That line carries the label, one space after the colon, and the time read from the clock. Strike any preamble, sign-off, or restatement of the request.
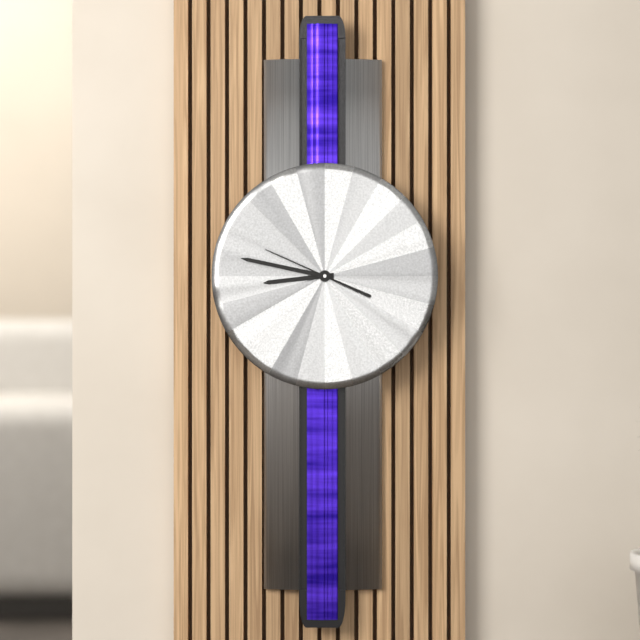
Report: 8:47:49
